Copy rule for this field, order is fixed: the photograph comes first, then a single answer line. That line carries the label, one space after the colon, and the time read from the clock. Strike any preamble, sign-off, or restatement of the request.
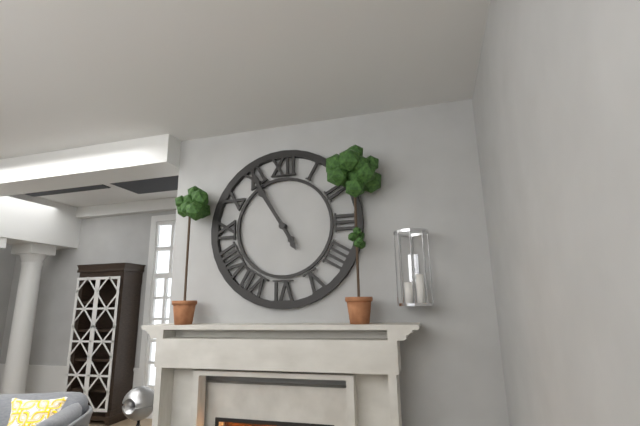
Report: 10:55
